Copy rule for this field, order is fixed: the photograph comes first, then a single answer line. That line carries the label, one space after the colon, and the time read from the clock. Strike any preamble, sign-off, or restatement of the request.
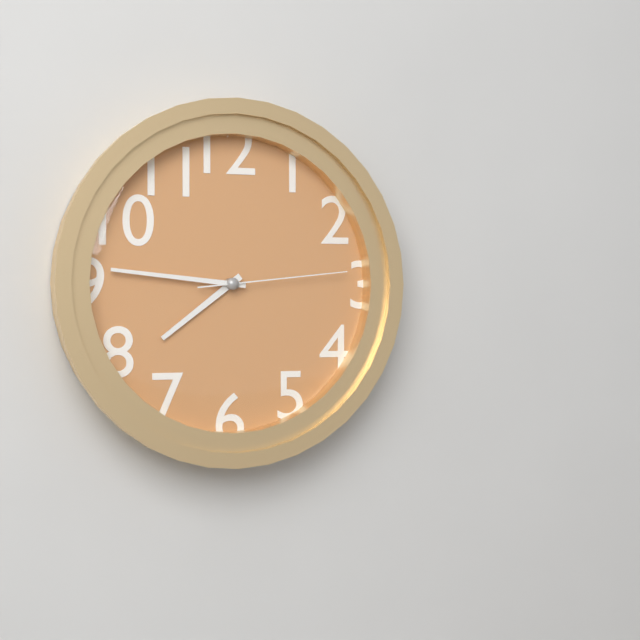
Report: 7:46:14
